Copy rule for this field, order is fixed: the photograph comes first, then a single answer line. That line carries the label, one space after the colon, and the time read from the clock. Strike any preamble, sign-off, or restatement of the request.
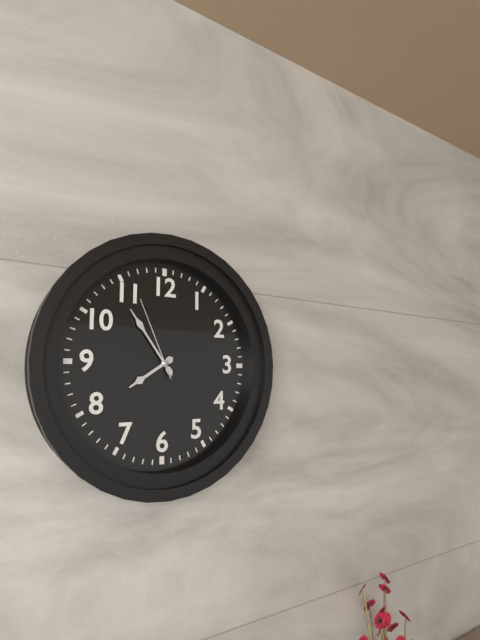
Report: 7:54:56
